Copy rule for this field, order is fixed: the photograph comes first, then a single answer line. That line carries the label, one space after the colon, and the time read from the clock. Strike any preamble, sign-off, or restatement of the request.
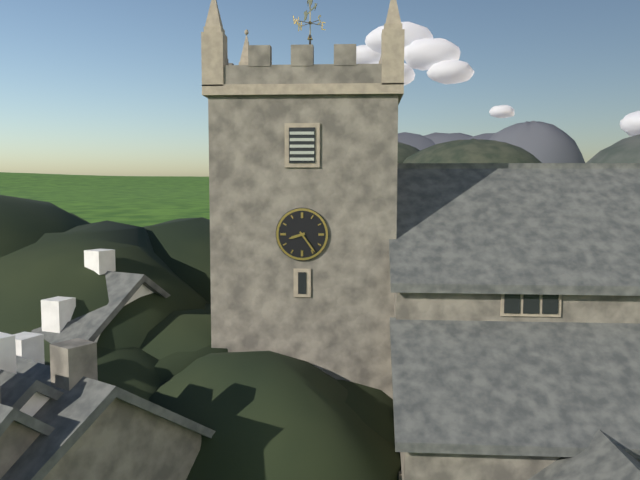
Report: 8:24
